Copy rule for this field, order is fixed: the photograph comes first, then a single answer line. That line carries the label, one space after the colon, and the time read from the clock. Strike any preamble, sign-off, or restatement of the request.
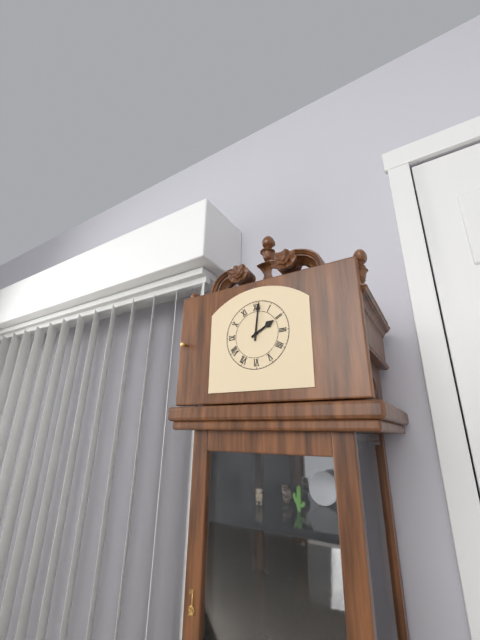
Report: 2:01
